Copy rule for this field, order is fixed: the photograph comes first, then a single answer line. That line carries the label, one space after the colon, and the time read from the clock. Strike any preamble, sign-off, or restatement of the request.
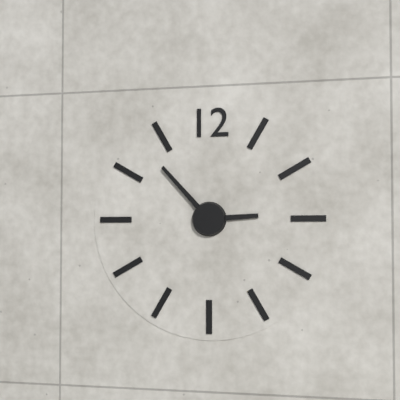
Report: 2:53
